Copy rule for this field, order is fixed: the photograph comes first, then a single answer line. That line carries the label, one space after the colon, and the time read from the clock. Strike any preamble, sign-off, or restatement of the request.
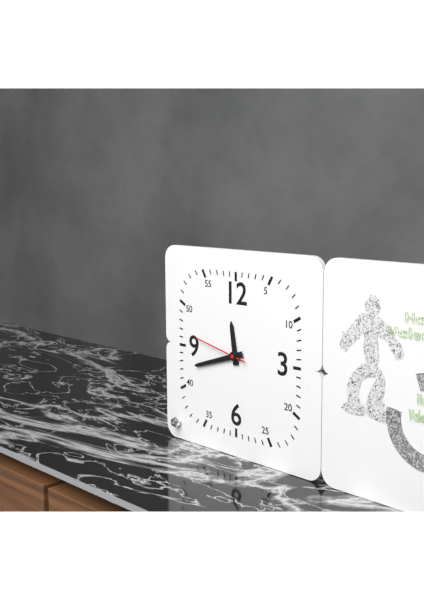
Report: 11:42:47
